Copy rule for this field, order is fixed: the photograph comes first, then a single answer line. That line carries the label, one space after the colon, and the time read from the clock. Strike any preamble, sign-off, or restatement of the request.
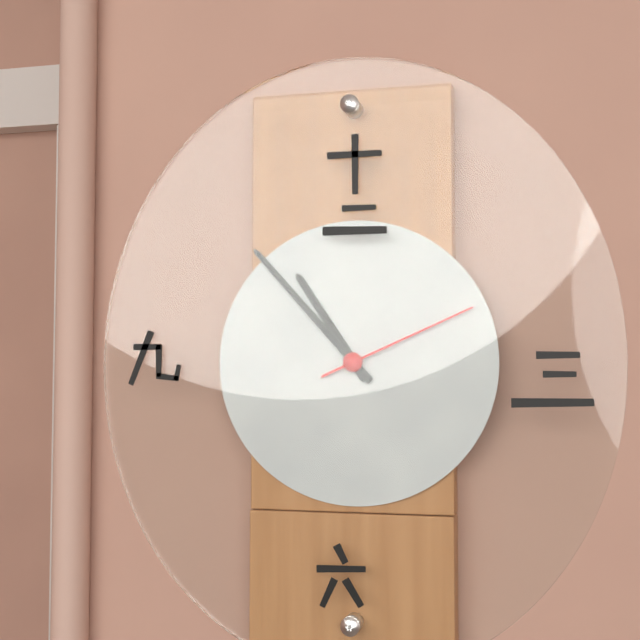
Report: 10:53:11
